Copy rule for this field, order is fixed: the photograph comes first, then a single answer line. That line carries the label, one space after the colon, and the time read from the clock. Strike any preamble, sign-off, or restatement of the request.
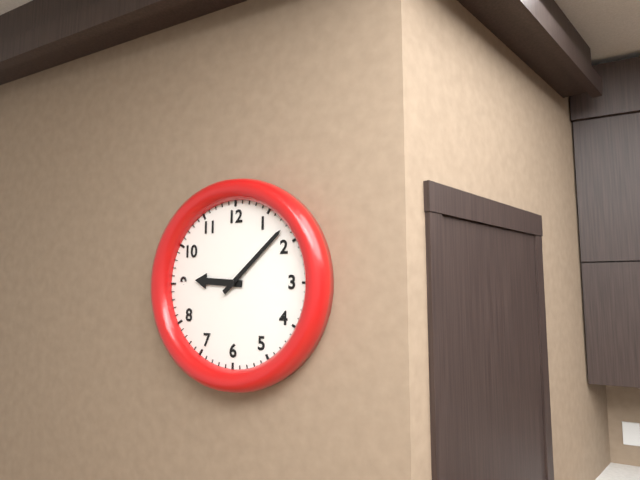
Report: 9:08
